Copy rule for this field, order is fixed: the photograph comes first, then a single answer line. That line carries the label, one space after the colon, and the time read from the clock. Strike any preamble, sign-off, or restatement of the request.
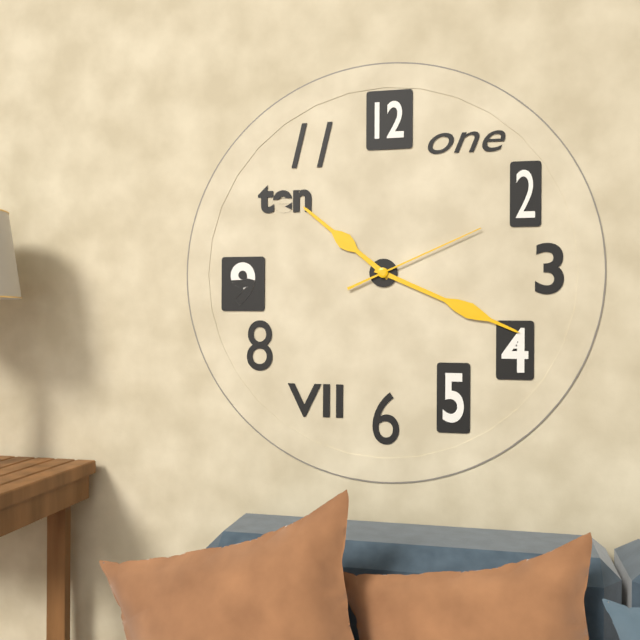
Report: 10:19:11
